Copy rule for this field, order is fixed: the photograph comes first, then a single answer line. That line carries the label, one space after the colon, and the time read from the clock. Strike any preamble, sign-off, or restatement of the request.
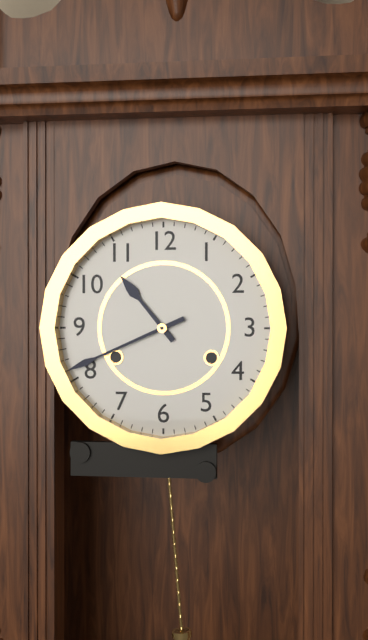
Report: 10:41
